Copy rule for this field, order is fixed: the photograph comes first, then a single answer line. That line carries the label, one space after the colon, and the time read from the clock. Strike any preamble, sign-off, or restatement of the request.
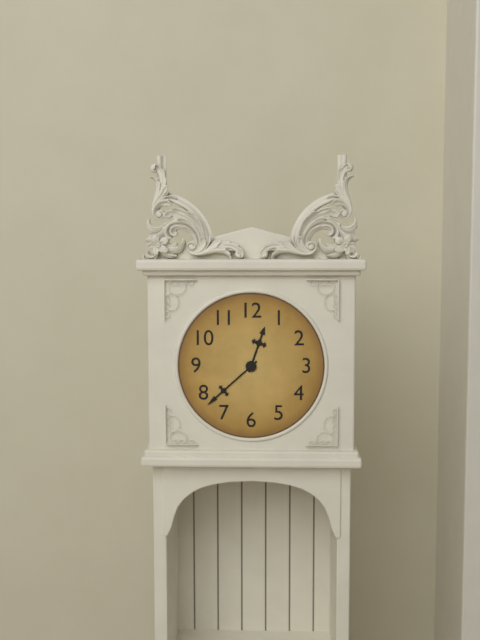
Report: 12:38
